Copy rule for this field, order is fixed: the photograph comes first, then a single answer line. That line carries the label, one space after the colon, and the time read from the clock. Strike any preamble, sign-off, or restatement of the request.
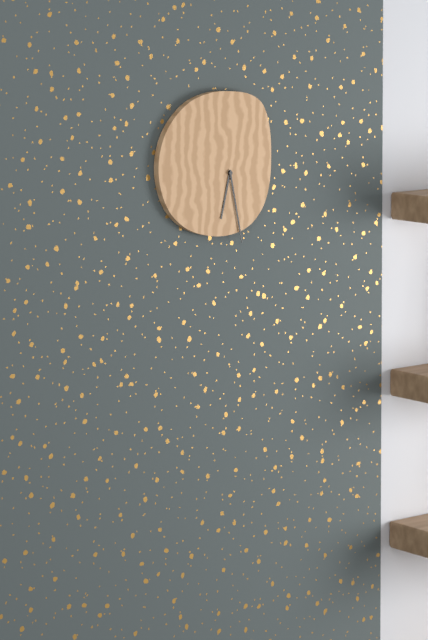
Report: 6:28
